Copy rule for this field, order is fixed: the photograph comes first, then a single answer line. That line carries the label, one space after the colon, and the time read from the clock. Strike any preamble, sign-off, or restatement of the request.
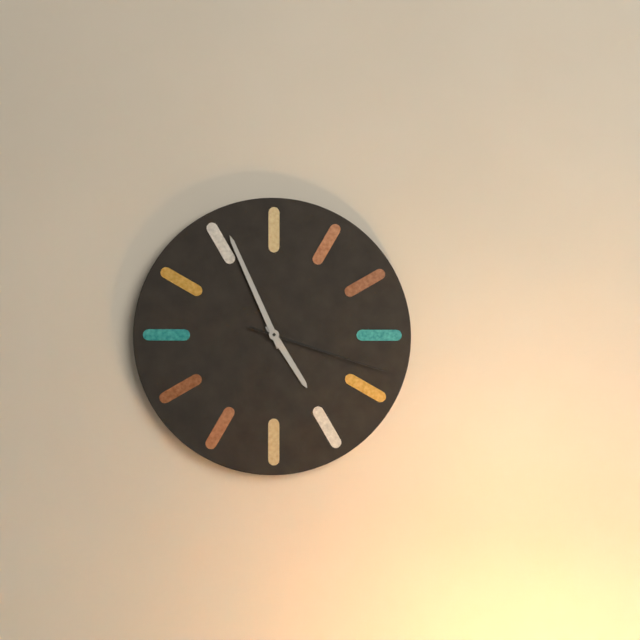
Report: 4:56:18
